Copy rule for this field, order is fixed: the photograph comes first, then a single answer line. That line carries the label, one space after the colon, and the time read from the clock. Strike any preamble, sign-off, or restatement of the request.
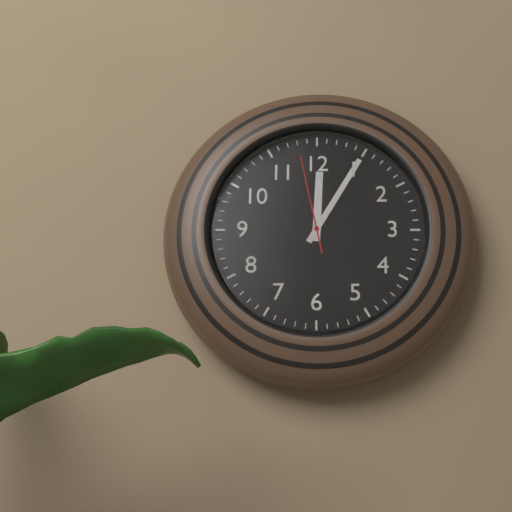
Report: 12:05:58
